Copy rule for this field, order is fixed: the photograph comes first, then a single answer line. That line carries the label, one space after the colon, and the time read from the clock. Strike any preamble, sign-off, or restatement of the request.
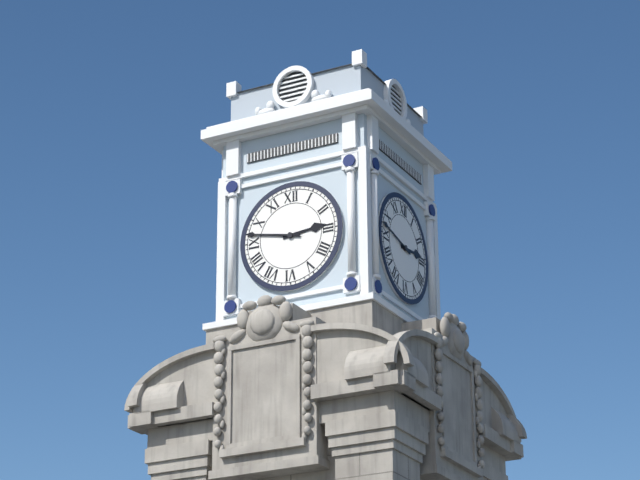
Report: 2:47
